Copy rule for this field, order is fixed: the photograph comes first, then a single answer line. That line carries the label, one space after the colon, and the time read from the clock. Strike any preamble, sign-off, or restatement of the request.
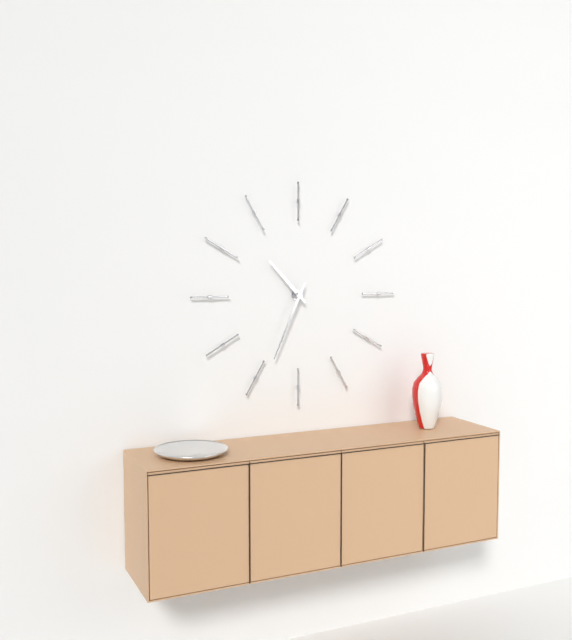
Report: 10:34
